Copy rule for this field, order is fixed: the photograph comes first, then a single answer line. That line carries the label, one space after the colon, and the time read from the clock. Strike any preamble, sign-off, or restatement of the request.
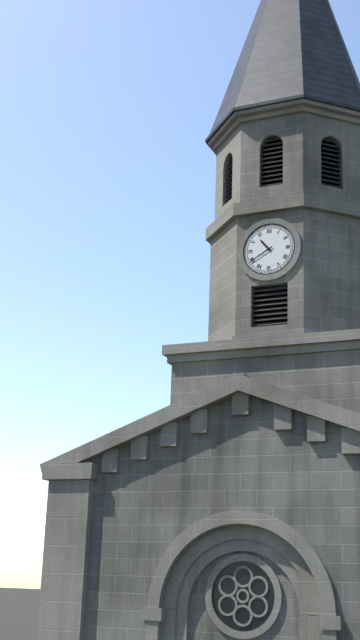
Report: 10:40
